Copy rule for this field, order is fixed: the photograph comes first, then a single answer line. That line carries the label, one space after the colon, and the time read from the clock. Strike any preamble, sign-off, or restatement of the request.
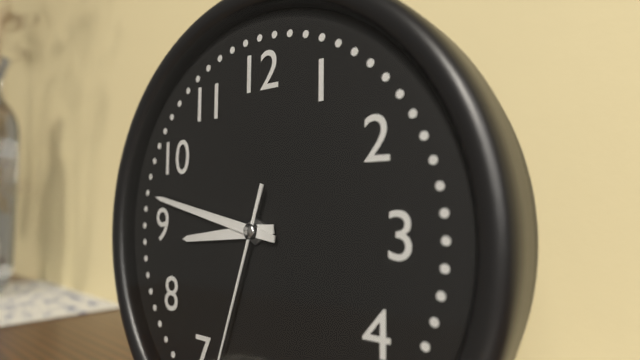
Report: 8:47
